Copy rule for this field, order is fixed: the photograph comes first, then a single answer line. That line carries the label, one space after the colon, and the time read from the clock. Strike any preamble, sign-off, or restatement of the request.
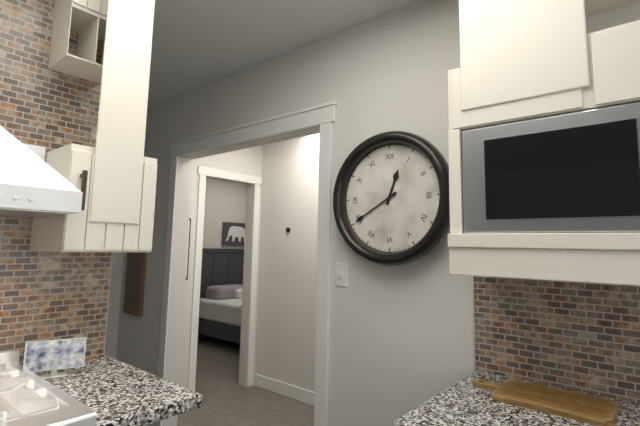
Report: 12:40
